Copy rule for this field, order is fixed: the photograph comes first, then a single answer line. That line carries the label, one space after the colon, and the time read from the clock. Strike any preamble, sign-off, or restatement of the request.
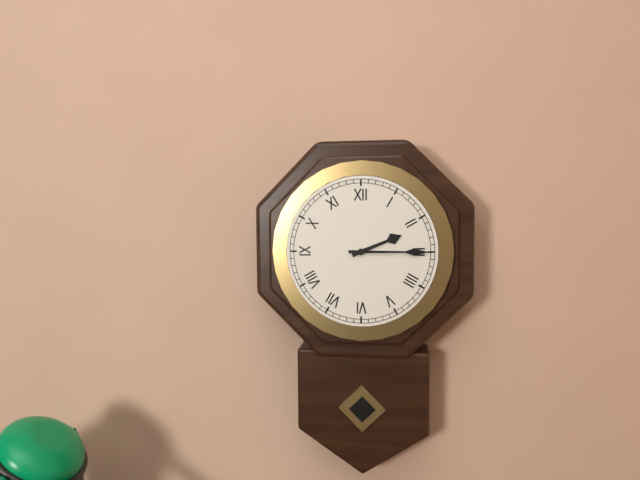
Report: 2:15
